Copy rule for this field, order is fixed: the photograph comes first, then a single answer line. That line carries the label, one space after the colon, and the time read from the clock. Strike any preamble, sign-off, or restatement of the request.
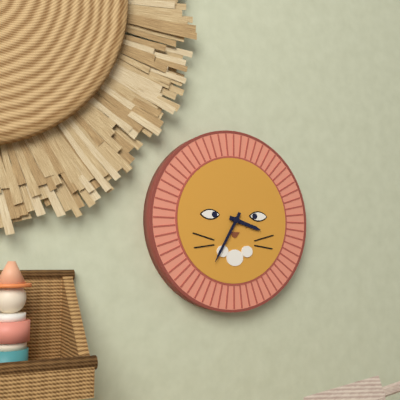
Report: 3:35
